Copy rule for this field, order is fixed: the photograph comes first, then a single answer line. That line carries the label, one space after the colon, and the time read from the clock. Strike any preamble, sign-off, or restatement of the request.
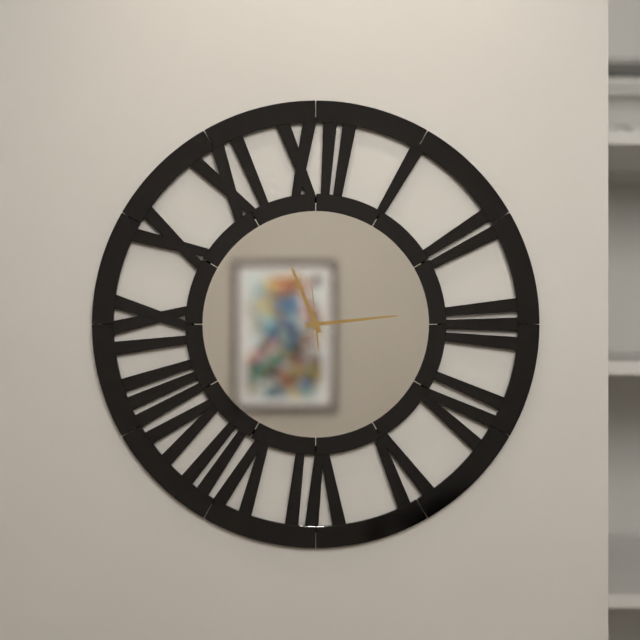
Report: 11:14:59
